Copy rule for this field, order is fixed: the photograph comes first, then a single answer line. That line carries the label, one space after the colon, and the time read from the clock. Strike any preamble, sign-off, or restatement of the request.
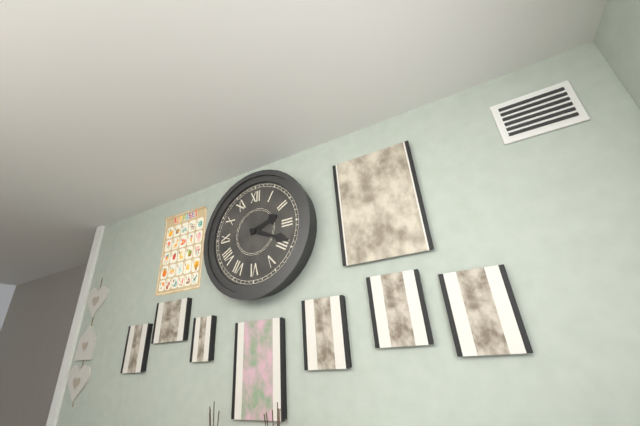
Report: 2:19
